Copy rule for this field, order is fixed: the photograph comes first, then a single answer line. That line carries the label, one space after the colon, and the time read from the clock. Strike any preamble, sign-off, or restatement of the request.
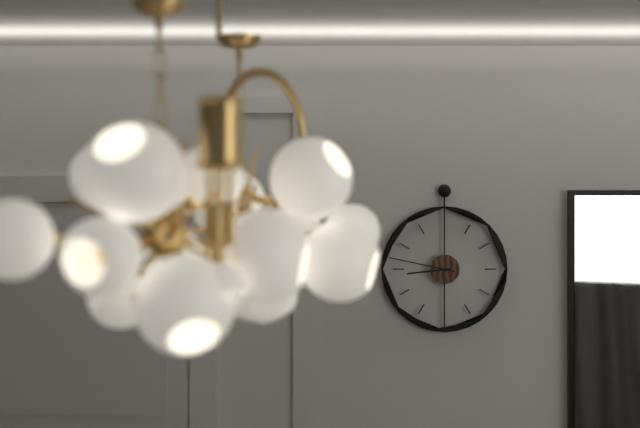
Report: 8:47
